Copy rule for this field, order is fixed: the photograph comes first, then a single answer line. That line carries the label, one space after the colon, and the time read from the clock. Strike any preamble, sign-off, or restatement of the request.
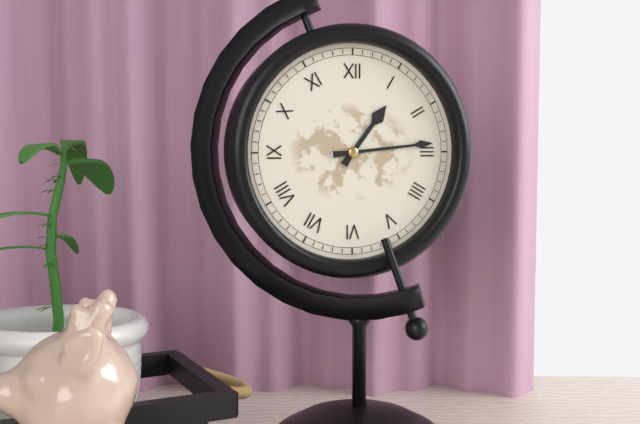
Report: 1:14
